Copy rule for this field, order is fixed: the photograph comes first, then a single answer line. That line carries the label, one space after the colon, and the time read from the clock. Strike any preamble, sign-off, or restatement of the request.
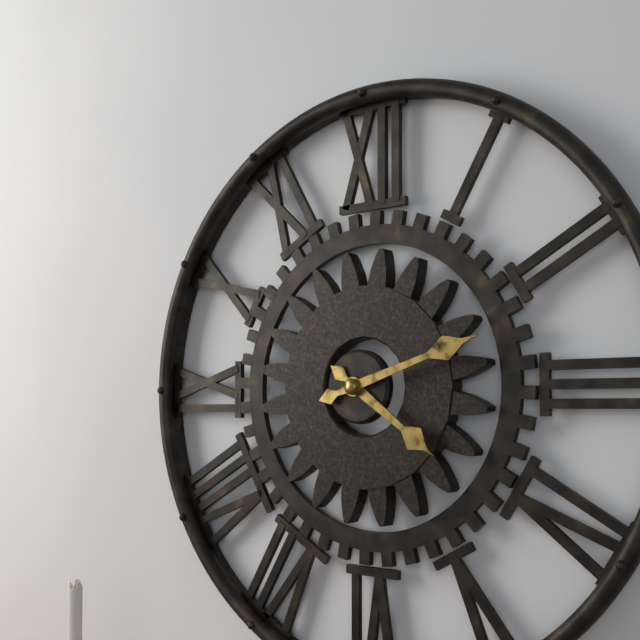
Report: 4:12
